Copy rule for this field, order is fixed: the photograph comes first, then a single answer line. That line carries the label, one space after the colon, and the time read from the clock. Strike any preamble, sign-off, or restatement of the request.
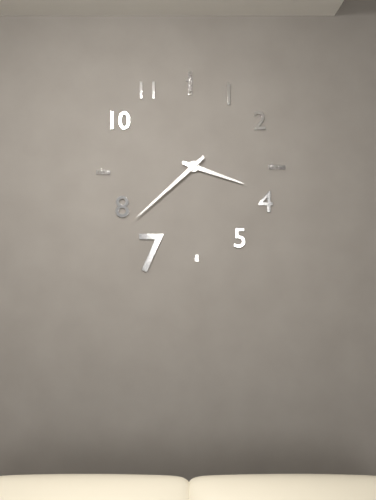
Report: 3:38
